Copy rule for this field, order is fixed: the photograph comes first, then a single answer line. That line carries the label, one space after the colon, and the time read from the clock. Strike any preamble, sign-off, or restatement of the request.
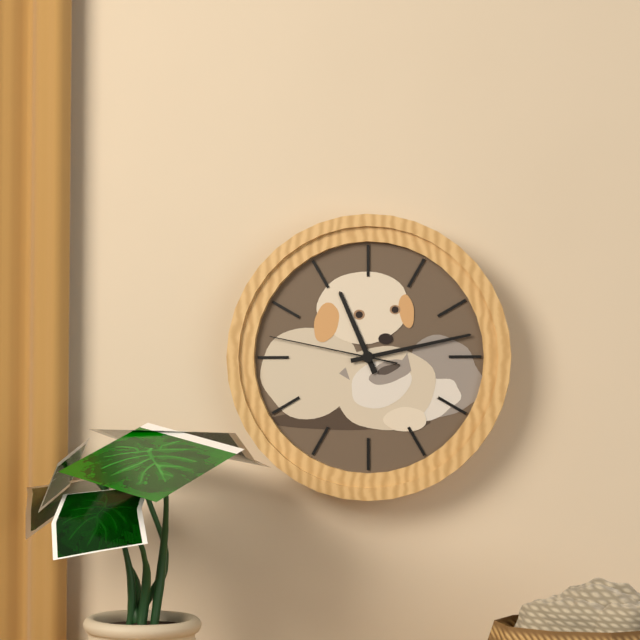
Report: 11:13:47
